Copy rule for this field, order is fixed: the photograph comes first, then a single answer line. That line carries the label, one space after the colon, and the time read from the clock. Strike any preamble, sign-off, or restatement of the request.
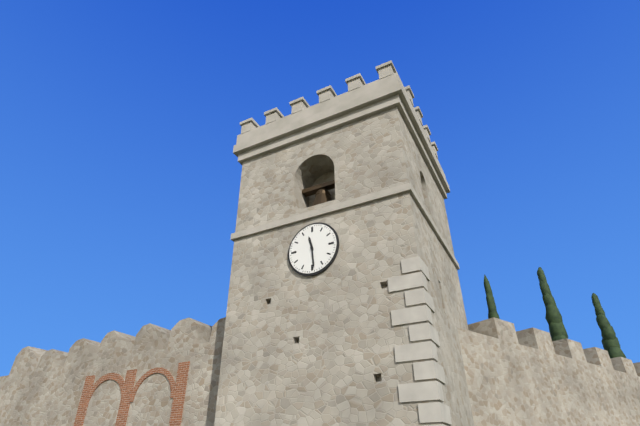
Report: 11:29
